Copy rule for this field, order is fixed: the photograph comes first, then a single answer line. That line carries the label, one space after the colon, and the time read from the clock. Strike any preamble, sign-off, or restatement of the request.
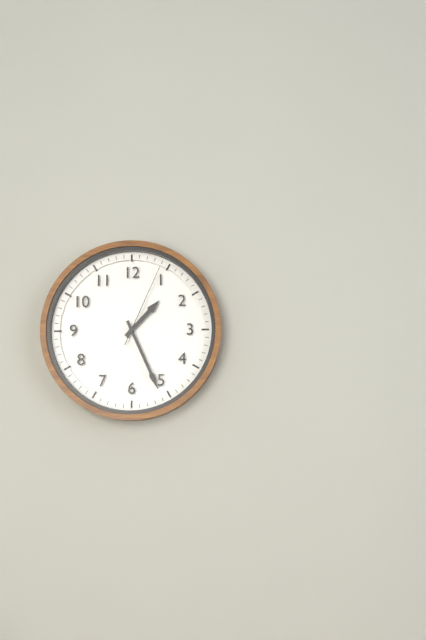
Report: 1:26:04
